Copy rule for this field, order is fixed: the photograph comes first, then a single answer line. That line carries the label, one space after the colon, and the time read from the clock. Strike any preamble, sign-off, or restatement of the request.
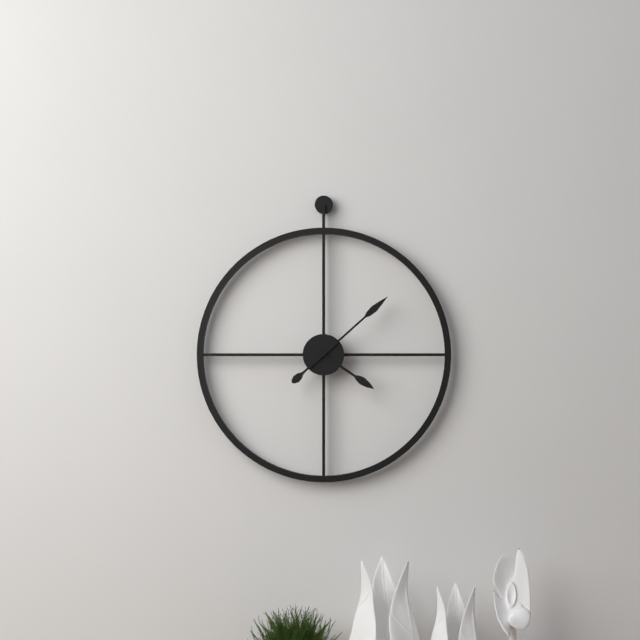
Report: 4:08
